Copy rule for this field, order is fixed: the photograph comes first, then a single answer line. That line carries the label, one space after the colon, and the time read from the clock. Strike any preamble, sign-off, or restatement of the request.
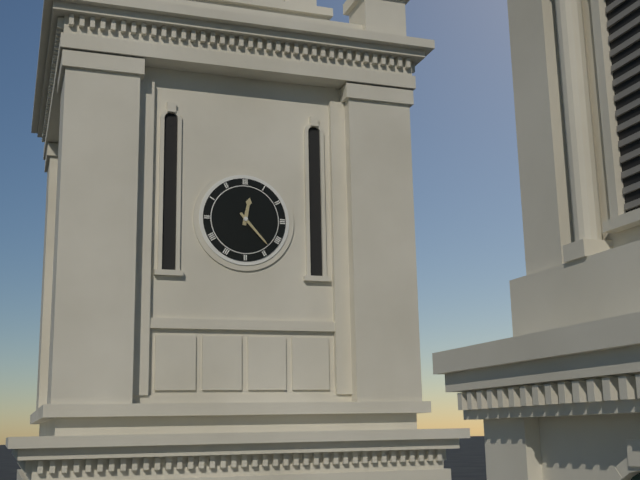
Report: 12:23
